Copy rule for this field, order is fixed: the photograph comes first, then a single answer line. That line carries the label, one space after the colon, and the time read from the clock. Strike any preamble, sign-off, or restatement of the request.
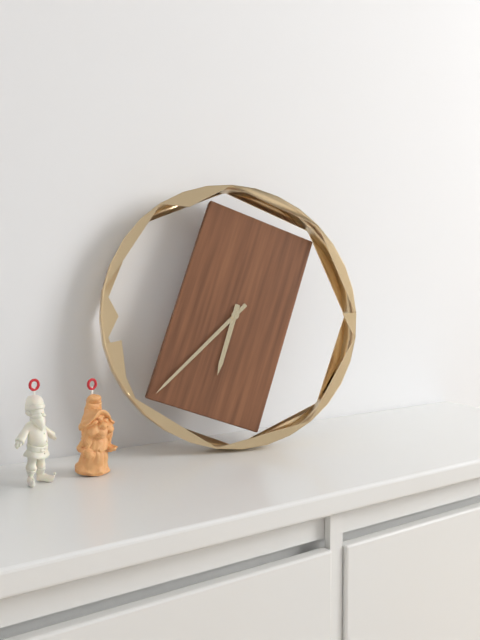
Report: 6:38
